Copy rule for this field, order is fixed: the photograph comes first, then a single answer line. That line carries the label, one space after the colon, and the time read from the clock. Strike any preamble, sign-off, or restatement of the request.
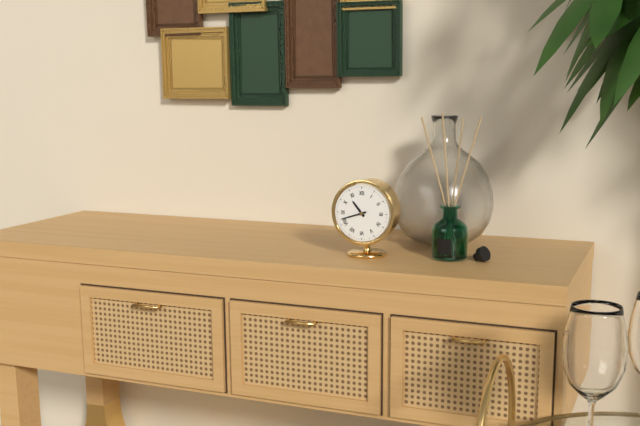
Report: 10:42
